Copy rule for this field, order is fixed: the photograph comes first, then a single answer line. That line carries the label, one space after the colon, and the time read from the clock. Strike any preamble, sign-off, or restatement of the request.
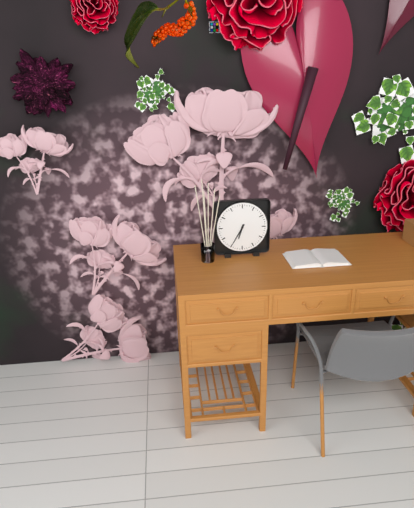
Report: 6:35
